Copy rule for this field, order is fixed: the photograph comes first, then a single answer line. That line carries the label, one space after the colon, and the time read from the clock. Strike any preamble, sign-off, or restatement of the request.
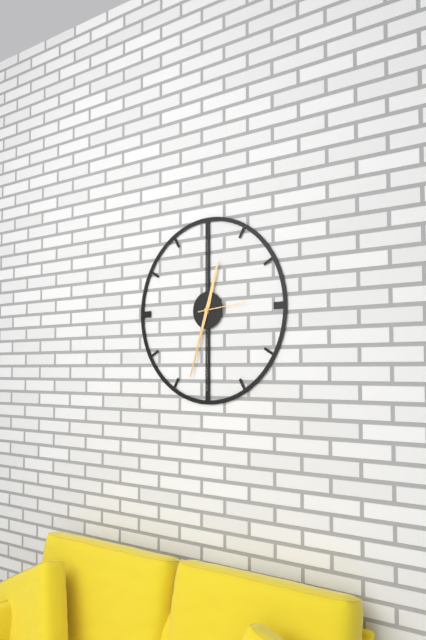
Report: 12:33
